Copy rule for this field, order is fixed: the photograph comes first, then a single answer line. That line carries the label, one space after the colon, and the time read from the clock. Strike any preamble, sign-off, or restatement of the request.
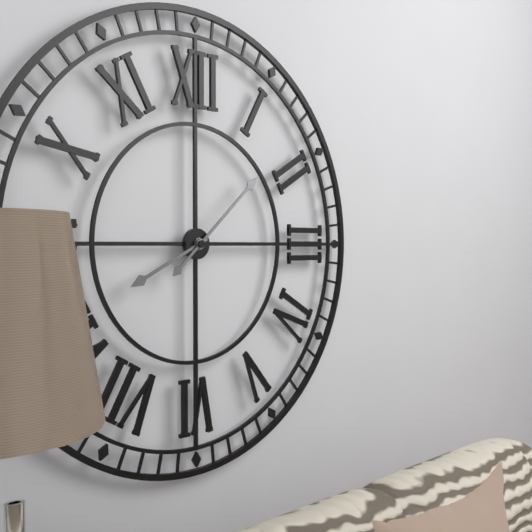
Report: 8:08
